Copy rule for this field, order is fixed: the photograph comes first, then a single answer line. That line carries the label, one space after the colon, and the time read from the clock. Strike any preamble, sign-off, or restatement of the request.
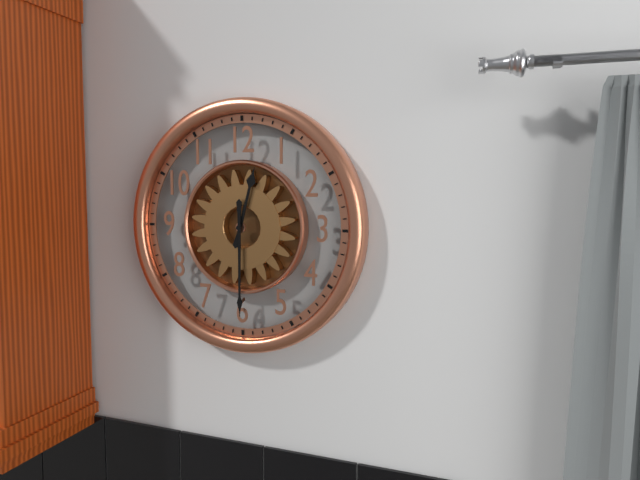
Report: 12:30
